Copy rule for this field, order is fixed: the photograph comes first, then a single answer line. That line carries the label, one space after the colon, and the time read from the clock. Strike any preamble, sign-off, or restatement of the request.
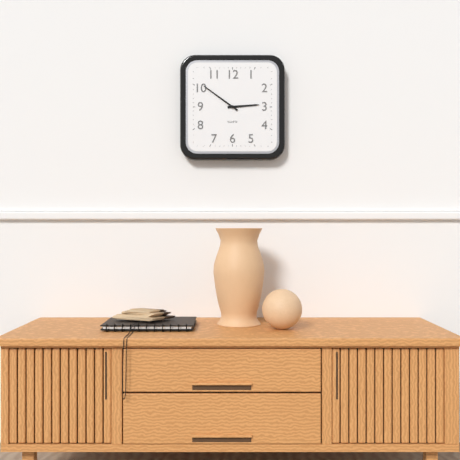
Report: 2:51
